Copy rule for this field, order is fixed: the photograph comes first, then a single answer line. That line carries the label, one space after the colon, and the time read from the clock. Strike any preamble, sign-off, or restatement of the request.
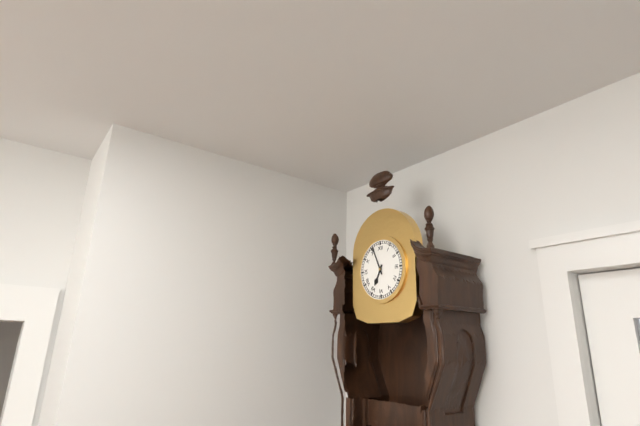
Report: 6:56
